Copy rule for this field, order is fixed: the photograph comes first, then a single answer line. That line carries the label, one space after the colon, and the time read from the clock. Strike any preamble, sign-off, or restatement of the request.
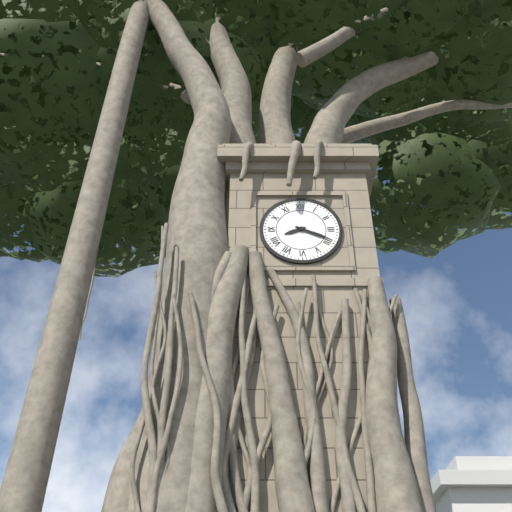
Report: 8:19
